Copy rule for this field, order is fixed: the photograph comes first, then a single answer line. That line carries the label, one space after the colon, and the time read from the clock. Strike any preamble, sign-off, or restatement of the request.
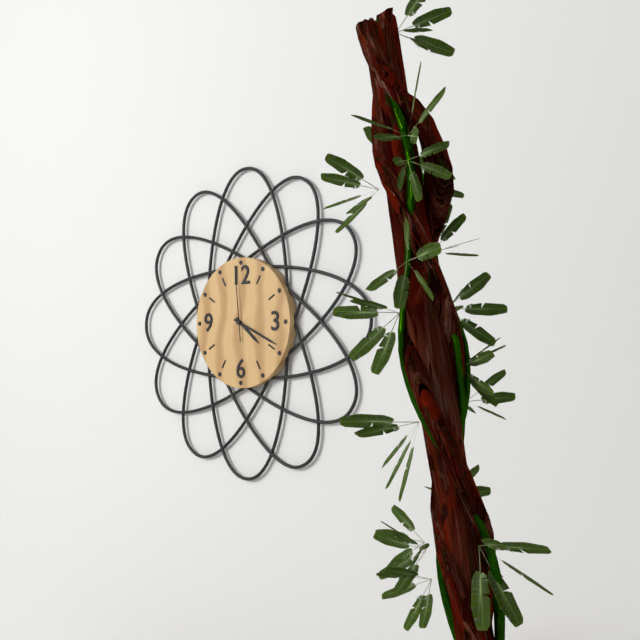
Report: 4:19:59
